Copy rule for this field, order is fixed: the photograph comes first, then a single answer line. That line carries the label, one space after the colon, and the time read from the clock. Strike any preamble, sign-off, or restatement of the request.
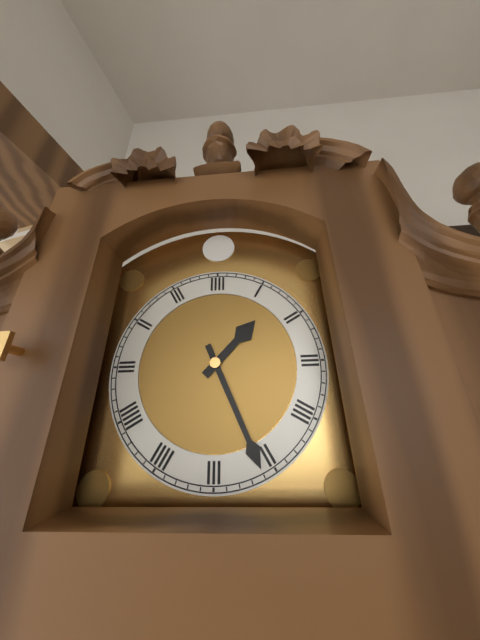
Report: 1:26
